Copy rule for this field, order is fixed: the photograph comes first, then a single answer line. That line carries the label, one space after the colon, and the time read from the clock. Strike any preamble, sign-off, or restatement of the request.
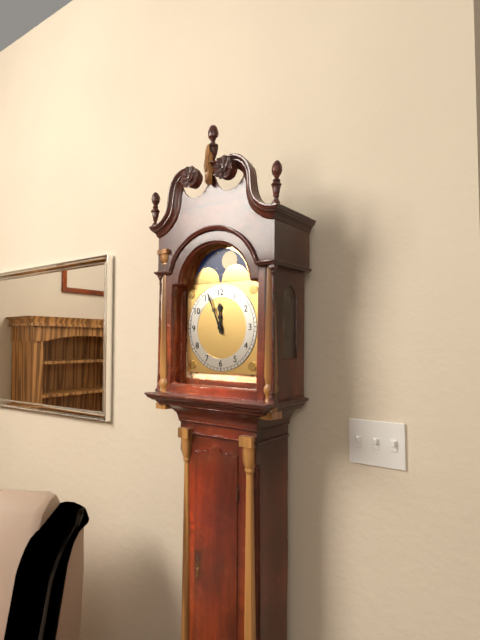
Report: 11:56
